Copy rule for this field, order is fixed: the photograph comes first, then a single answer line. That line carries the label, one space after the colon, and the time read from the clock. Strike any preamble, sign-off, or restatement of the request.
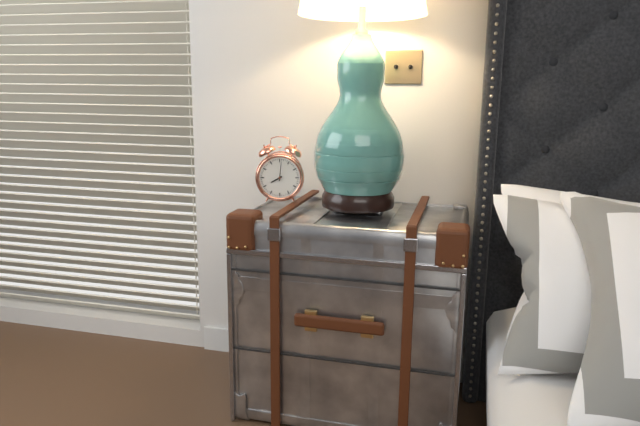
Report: 8:01
